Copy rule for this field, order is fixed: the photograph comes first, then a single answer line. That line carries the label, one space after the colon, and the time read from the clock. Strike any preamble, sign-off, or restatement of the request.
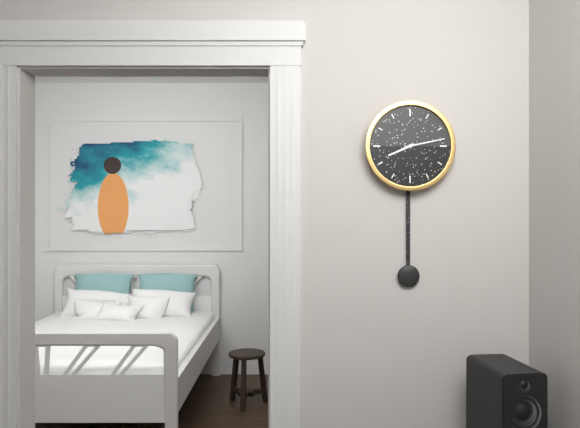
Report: 8:13
